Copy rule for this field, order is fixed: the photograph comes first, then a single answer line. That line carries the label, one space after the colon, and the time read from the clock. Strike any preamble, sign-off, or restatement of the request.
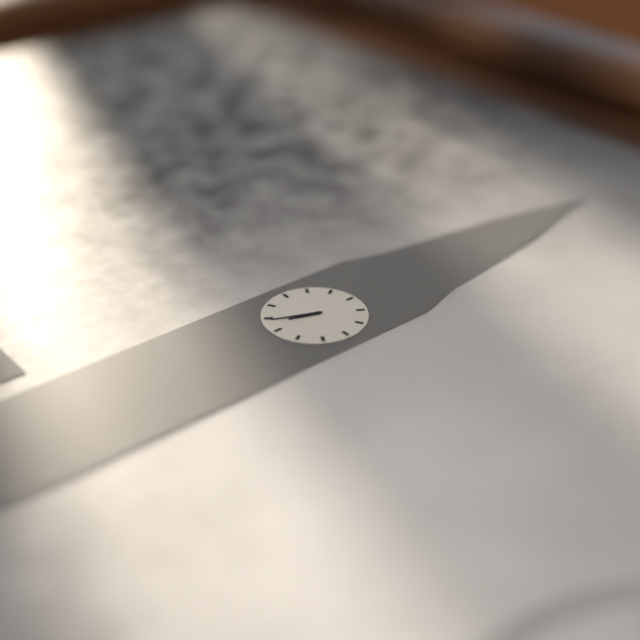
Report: 6:34
